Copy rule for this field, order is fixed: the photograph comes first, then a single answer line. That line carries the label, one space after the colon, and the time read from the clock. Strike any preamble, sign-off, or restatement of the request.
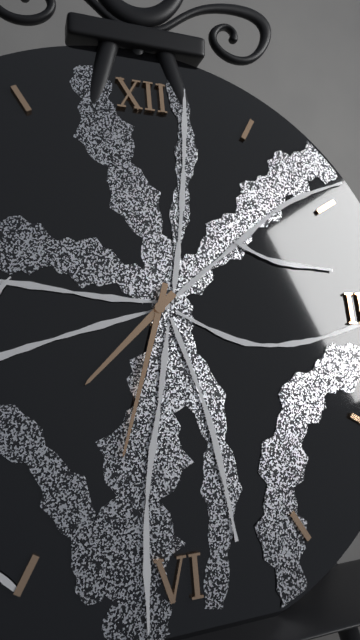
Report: 7:33
